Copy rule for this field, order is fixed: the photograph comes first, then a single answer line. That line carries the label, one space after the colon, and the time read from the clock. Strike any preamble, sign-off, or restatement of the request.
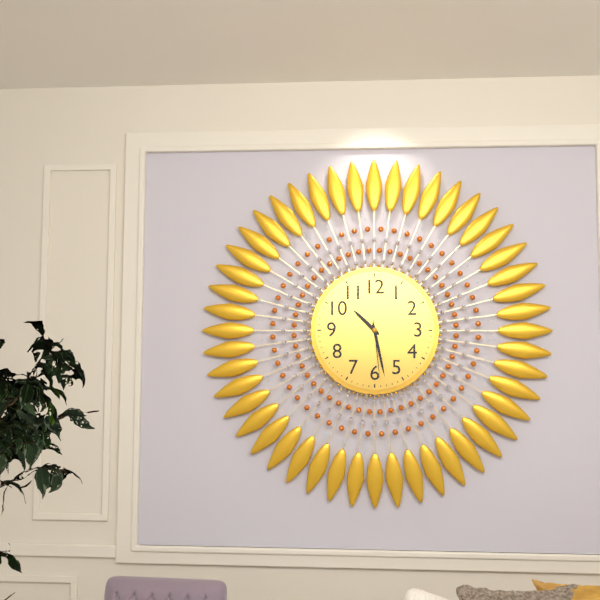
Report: 10:28:29
